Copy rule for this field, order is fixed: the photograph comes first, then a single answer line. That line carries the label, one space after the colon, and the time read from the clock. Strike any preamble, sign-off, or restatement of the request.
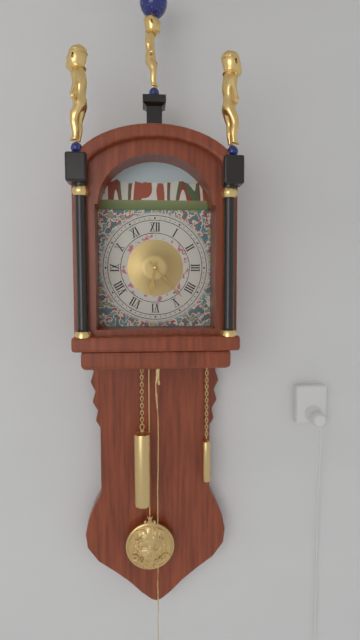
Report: 6:23
